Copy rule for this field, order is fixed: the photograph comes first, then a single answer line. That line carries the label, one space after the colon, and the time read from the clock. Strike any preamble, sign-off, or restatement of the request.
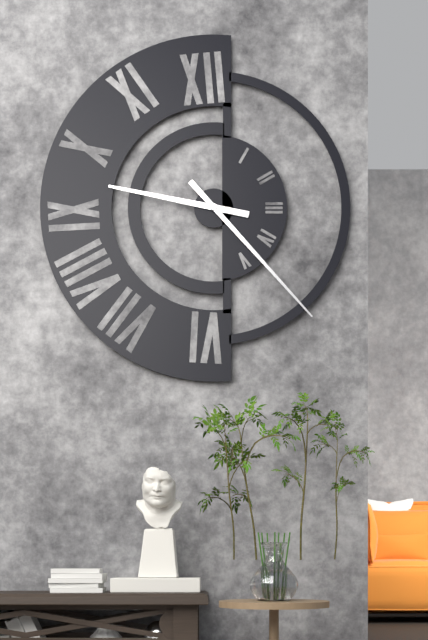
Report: 9:23
